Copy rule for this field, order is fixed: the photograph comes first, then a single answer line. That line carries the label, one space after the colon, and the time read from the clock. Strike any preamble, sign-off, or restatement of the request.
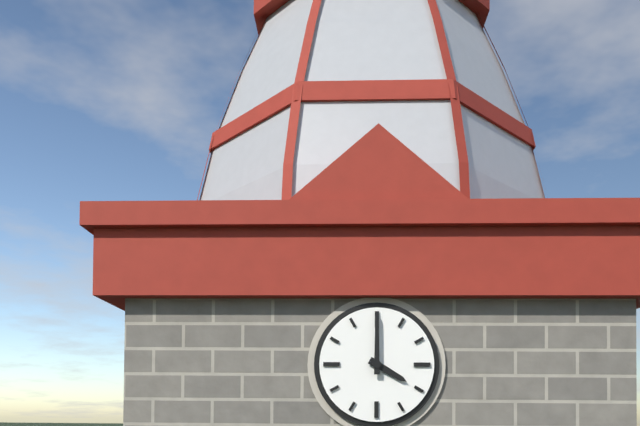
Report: 4:00
